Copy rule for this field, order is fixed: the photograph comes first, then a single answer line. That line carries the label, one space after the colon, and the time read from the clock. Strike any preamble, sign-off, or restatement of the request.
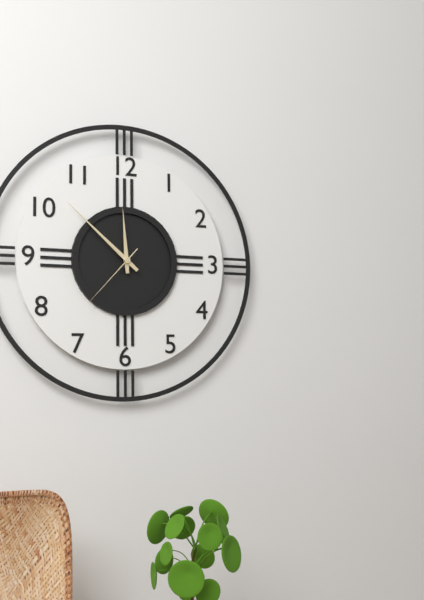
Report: 11:52:37
